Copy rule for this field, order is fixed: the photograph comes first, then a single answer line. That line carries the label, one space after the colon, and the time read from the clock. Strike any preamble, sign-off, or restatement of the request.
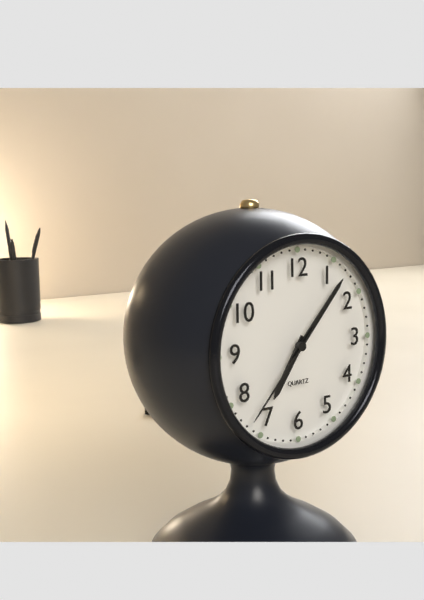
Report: 7:07:37
